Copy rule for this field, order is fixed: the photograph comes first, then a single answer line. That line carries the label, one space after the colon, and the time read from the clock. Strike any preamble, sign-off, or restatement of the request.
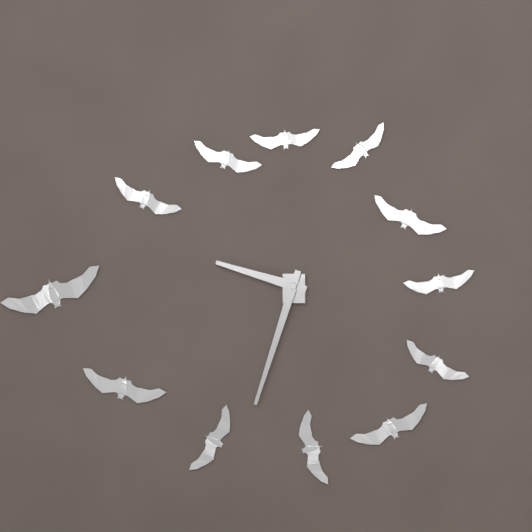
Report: 9:33
